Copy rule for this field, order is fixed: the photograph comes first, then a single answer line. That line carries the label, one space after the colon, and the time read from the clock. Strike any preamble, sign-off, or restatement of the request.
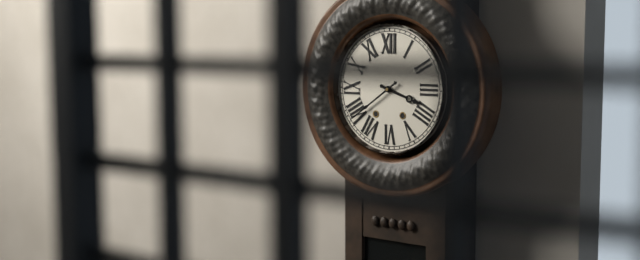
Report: 3:39
